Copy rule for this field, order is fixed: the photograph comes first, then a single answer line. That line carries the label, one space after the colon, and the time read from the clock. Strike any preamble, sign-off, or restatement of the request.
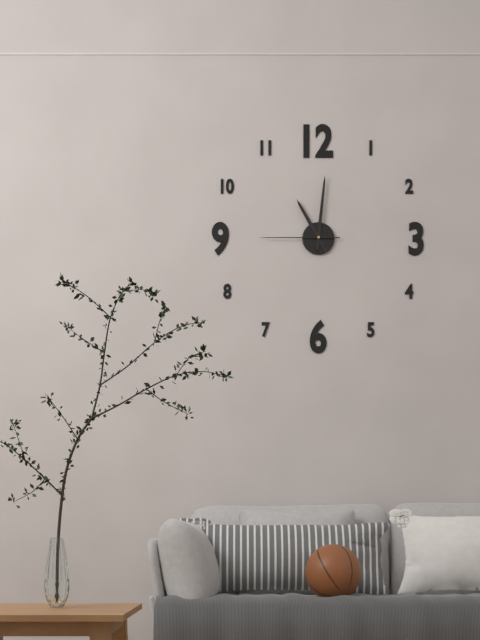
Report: 11:01:45
